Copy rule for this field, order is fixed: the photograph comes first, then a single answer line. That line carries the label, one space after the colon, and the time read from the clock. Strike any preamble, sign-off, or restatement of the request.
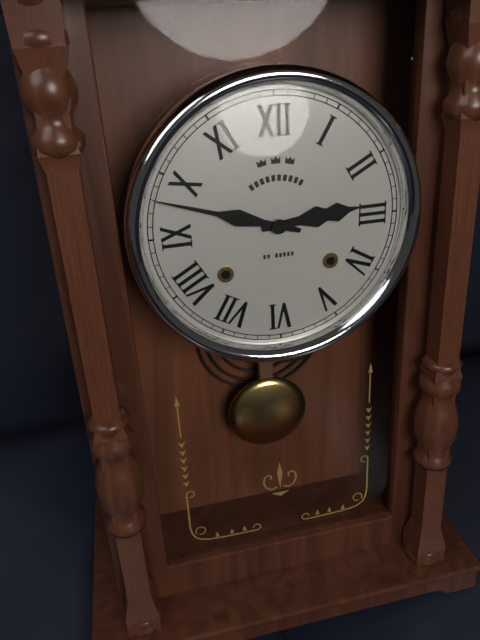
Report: 2:48
